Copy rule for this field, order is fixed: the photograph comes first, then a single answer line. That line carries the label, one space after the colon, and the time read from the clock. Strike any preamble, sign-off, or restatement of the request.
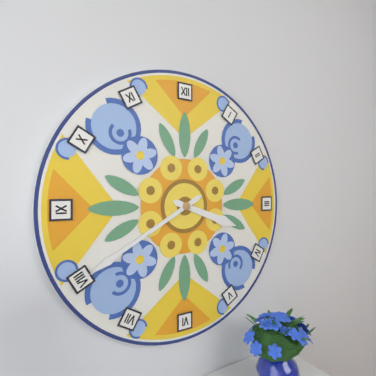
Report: 3:40
